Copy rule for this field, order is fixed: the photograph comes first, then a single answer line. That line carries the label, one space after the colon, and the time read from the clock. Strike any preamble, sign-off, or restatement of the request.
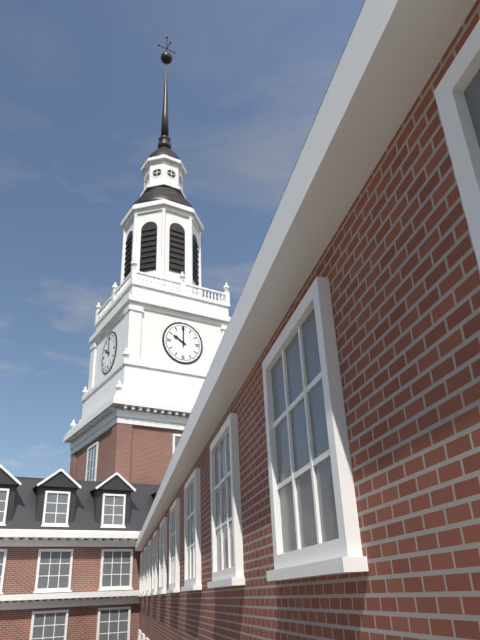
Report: 10:00
